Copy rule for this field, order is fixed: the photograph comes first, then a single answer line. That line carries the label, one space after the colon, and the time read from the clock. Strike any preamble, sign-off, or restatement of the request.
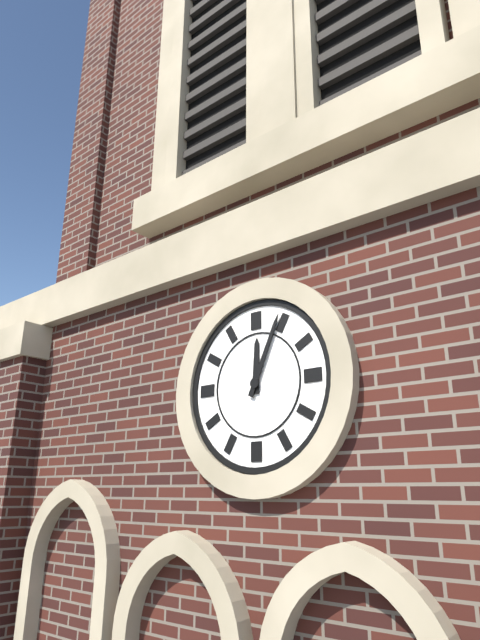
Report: 12:04
